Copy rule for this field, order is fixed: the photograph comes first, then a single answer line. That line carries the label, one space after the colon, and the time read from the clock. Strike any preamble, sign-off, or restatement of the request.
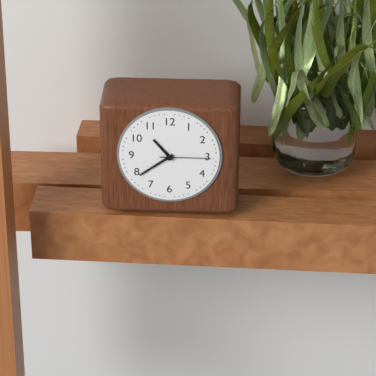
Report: 10:39:15
